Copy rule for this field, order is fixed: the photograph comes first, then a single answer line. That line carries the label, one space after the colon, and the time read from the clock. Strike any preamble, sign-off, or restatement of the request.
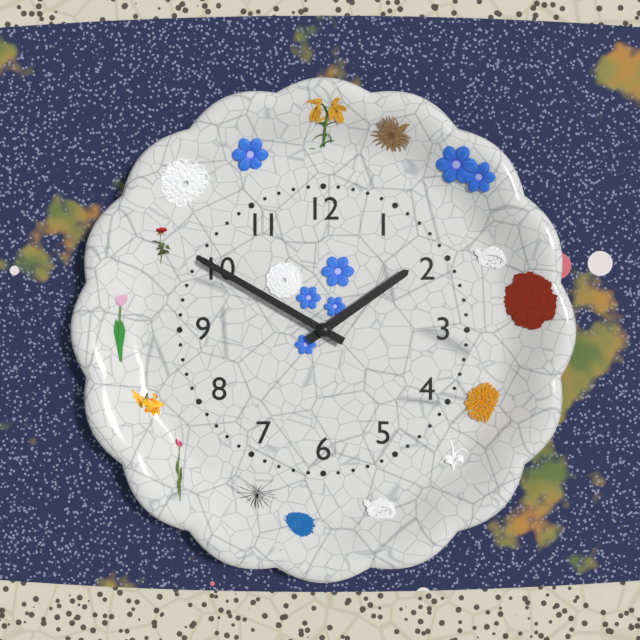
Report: 1:50
